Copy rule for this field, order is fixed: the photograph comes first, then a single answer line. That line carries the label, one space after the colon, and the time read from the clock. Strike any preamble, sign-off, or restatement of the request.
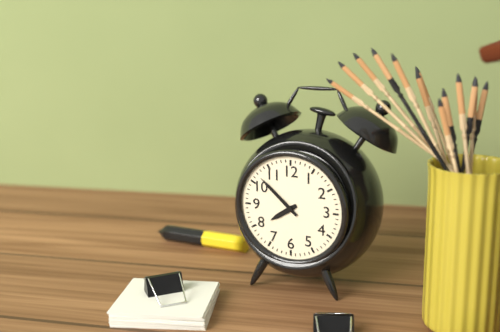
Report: 7:52
